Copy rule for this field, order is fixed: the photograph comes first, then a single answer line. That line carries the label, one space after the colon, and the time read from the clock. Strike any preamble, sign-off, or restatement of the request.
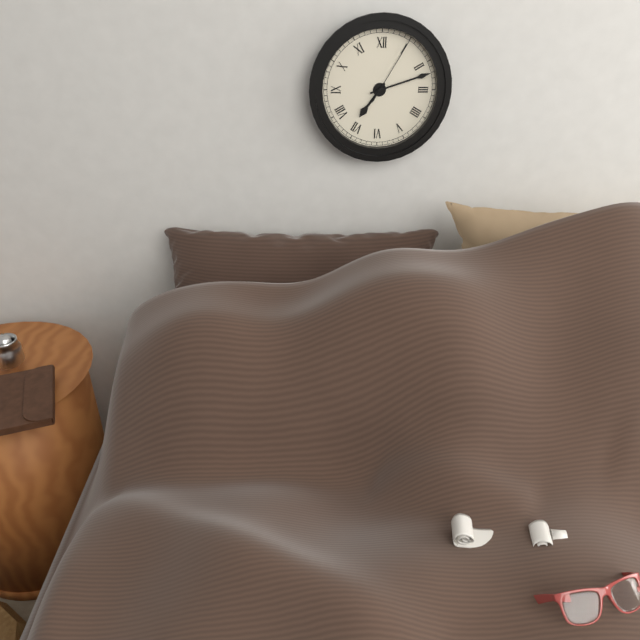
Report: 7:12:05
